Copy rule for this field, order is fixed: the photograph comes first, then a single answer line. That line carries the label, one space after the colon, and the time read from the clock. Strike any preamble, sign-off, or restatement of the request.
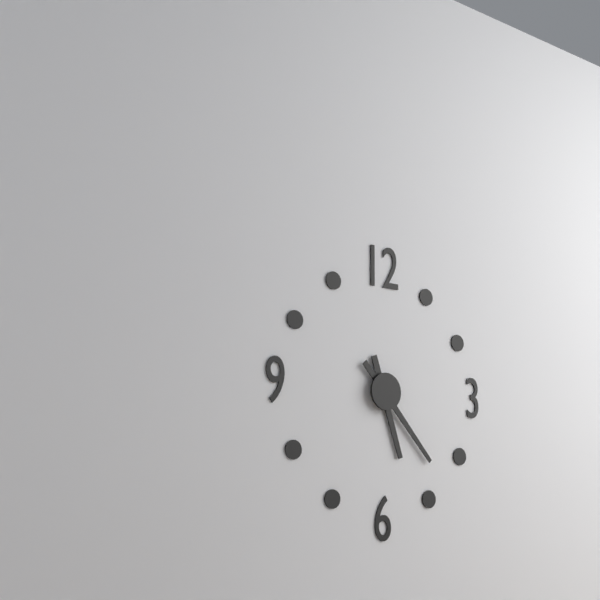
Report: 5:23
